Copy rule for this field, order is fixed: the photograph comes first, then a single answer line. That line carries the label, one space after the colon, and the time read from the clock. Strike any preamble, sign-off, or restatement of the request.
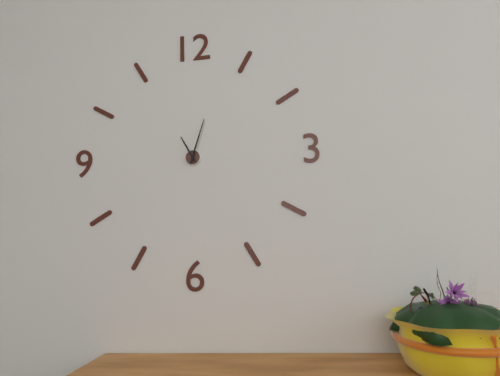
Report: 11:03
